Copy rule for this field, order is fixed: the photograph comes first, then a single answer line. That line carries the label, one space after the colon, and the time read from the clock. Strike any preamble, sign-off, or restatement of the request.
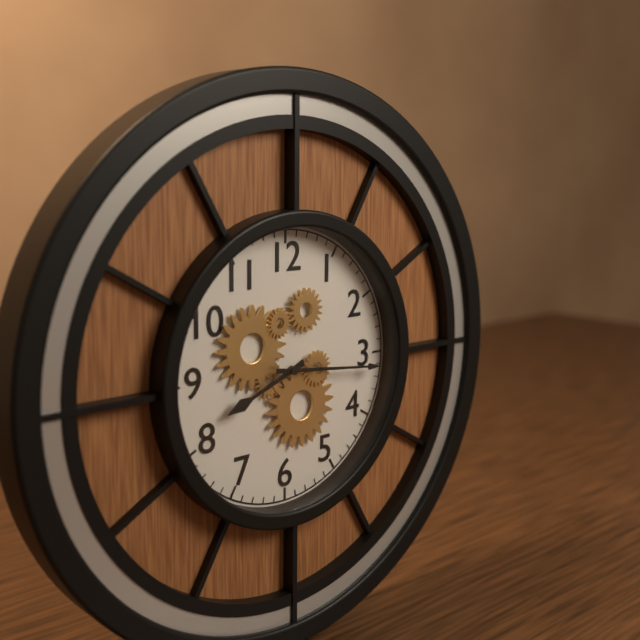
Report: 8:16
